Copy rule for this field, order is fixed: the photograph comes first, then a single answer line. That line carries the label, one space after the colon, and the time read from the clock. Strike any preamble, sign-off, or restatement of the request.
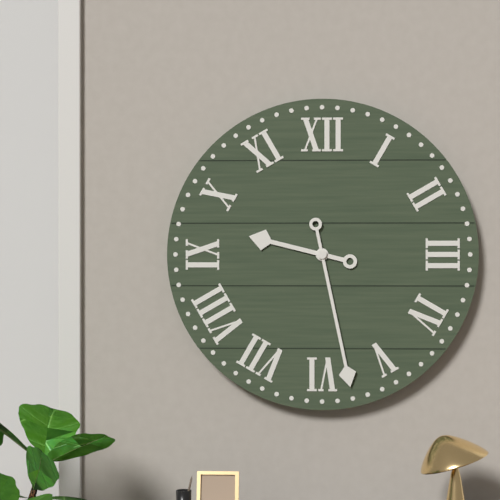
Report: 9:28
